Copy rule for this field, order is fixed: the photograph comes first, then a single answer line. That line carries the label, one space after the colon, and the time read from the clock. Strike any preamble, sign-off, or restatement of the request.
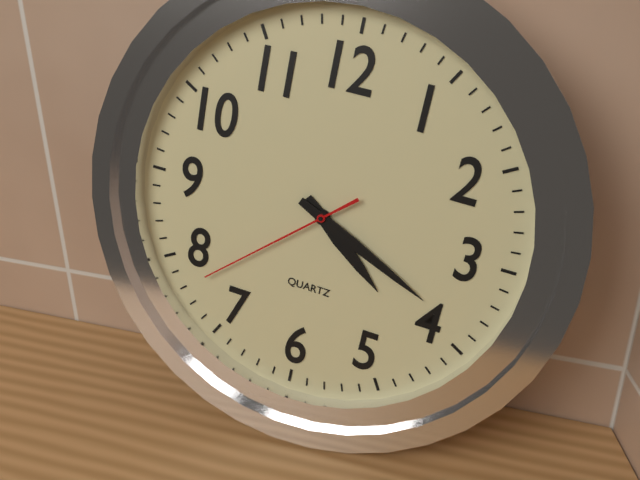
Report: 4:19:38
